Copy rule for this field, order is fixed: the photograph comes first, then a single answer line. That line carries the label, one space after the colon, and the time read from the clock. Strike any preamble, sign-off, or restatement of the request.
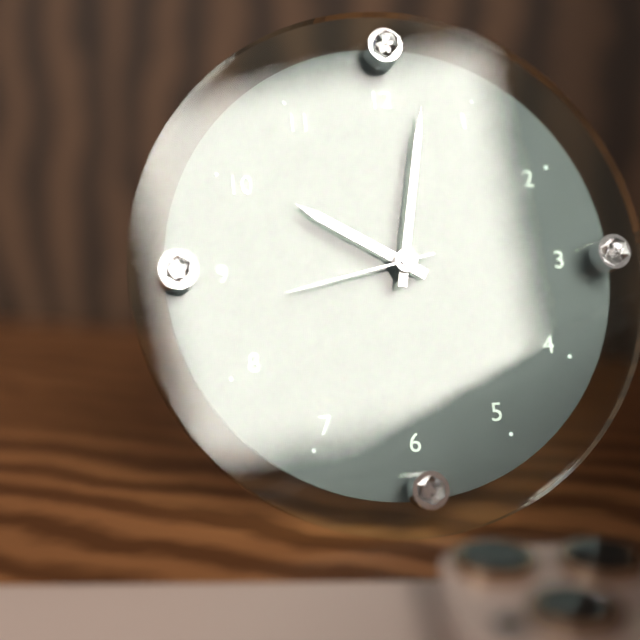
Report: 10:02:43
